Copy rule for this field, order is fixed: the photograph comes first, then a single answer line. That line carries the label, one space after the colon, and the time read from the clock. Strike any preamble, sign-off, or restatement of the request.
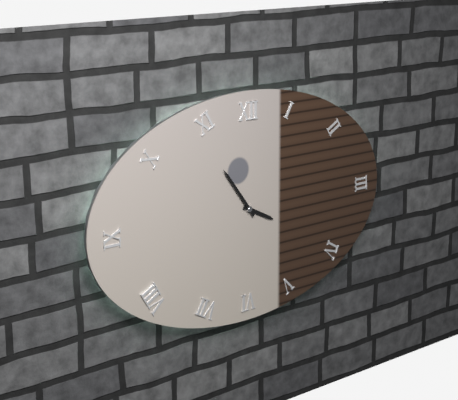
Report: 3:54
